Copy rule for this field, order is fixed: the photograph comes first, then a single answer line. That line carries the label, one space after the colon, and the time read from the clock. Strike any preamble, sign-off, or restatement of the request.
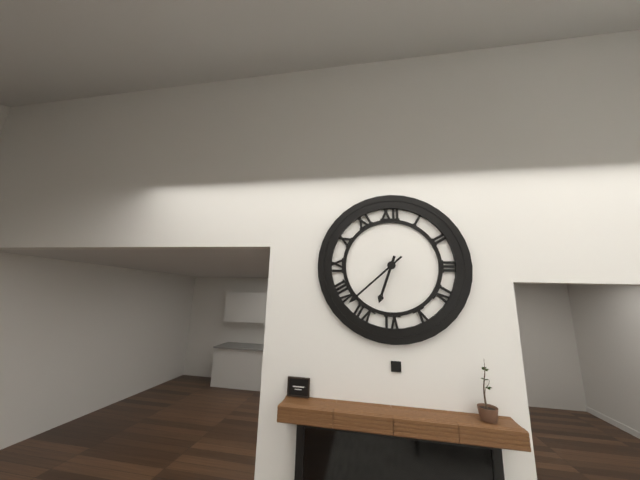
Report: 6:38
